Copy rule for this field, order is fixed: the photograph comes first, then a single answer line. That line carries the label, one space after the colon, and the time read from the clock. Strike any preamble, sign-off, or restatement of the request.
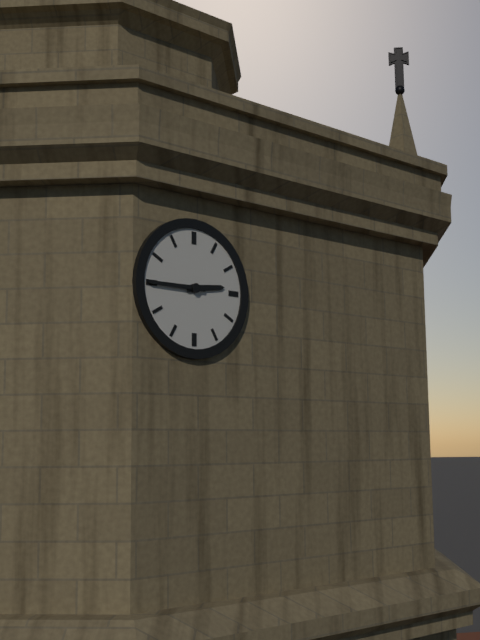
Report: 2:45
